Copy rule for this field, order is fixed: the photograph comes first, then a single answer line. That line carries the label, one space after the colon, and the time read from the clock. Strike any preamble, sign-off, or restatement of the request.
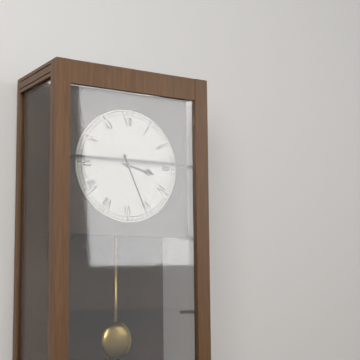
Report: 3:26
